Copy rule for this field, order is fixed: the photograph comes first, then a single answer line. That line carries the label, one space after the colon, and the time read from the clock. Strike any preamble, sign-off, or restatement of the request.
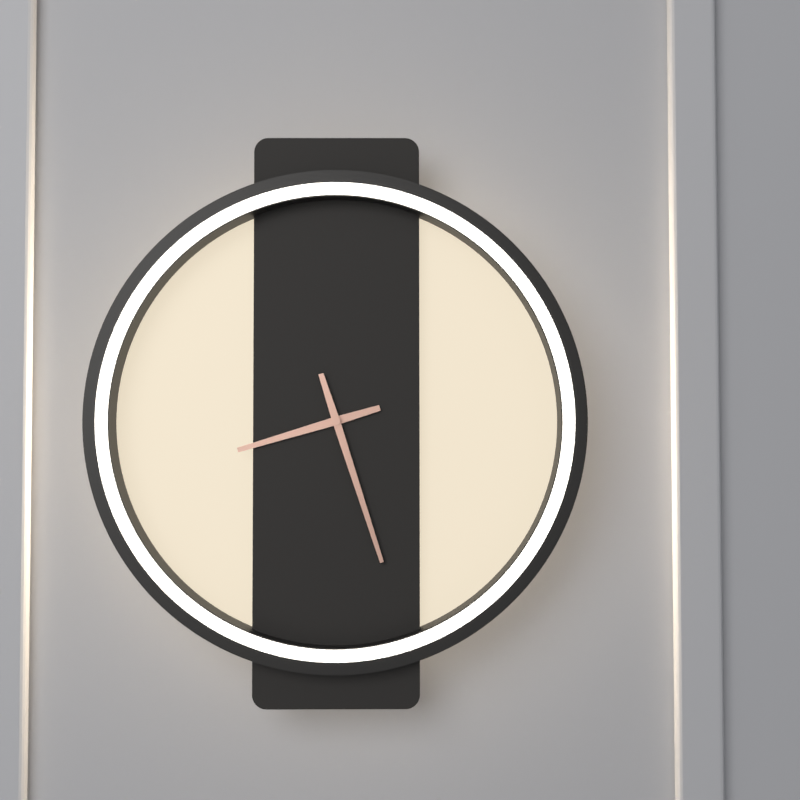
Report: 8:27
